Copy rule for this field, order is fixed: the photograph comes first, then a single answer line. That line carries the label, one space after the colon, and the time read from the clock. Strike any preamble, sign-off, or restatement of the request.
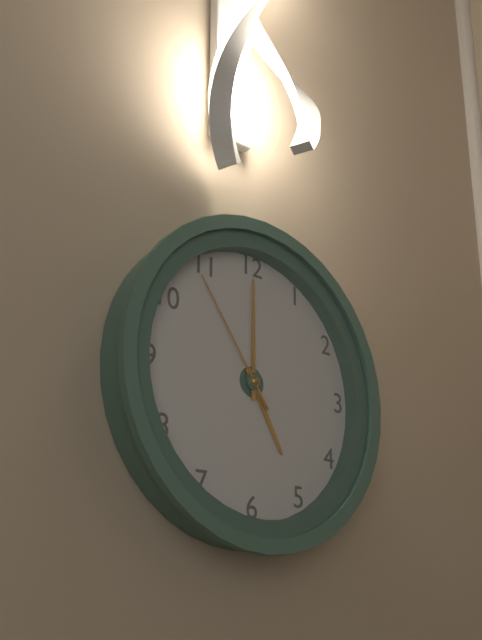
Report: 5:00:54
